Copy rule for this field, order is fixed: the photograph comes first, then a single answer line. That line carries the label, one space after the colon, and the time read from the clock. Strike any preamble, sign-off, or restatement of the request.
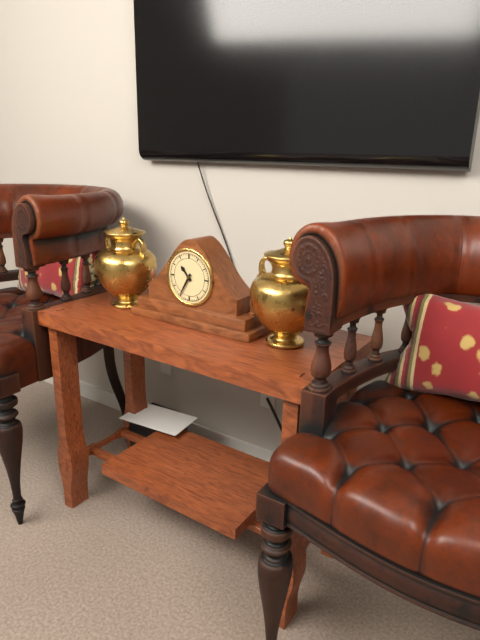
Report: 10:35
